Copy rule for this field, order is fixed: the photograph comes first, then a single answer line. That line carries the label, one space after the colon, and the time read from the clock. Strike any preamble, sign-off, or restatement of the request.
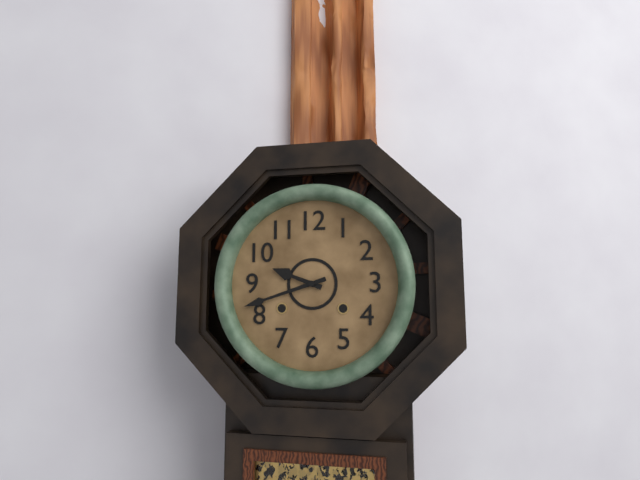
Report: 9:42
